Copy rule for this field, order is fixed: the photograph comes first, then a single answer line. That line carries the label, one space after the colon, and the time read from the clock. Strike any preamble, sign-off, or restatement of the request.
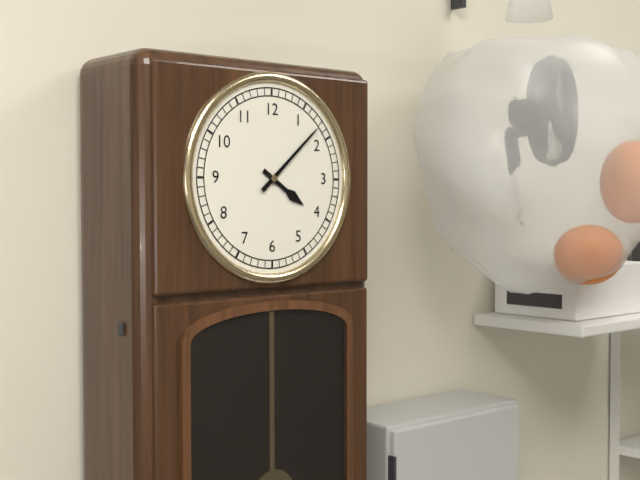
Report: 4:08
